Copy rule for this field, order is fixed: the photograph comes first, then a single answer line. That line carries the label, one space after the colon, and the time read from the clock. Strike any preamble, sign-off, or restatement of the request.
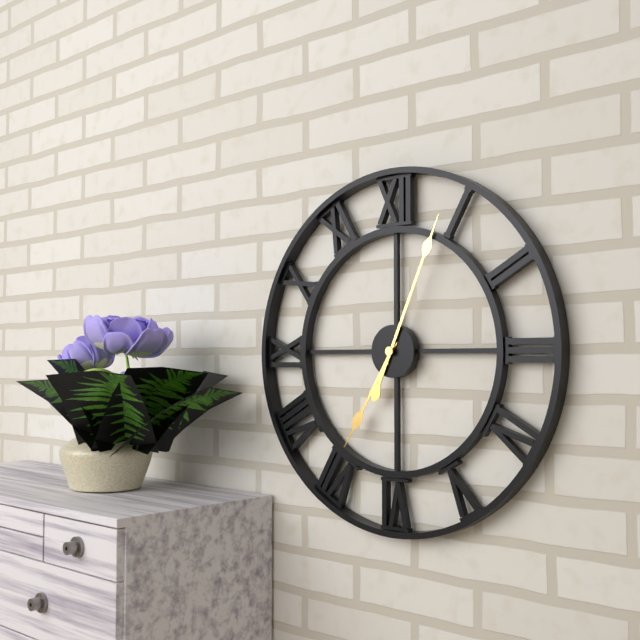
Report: 7:04
